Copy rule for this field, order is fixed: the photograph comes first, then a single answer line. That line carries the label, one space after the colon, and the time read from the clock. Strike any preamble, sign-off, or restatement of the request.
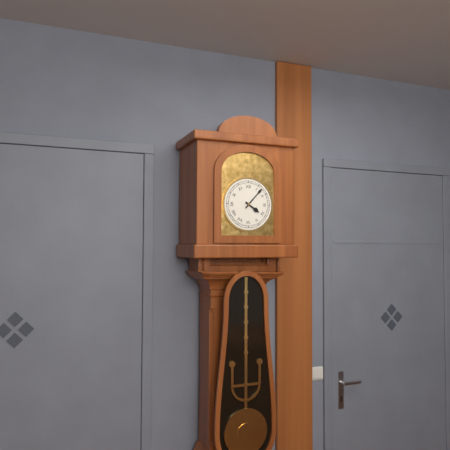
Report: 4:07
